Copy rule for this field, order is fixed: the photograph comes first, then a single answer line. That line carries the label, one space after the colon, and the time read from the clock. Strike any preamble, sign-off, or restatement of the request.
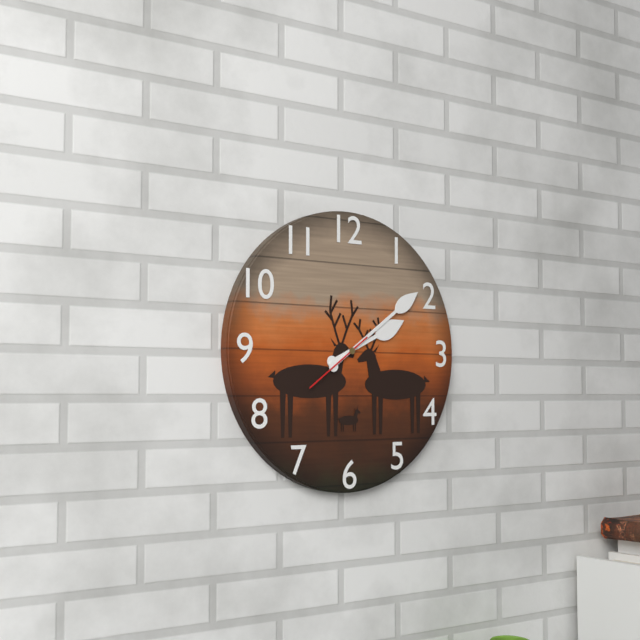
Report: 2:09:39
